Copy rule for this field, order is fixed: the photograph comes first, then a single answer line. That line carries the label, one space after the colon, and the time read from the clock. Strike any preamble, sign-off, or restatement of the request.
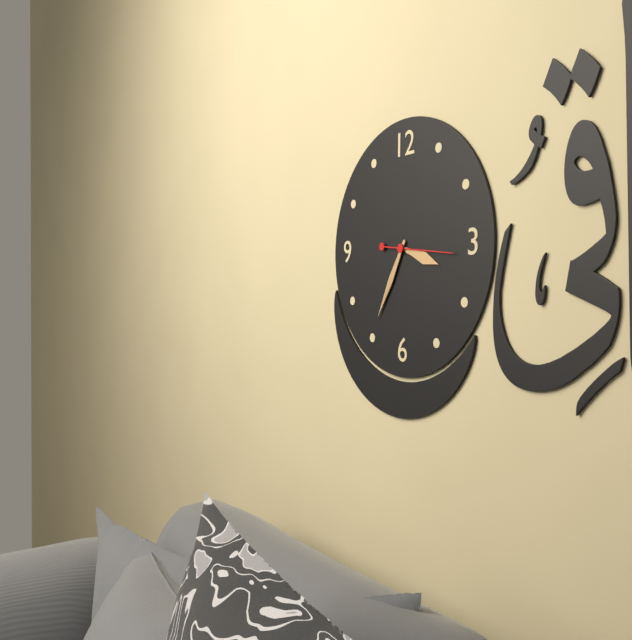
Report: 3:35:16
